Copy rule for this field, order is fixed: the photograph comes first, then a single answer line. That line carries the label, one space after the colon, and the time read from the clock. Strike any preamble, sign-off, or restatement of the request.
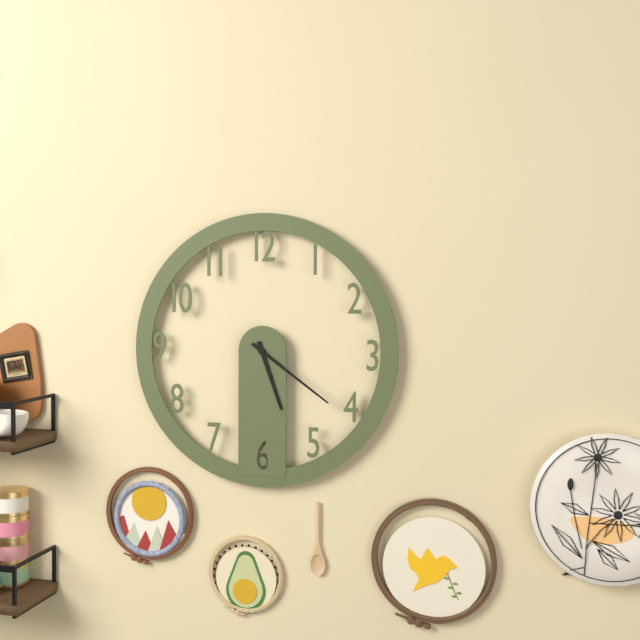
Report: 5:21
